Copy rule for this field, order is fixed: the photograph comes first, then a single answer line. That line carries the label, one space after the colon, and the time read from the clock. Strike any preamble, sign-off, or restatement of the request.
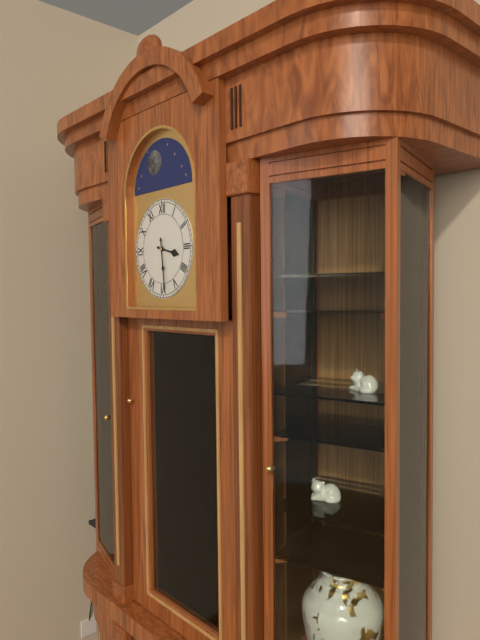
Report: 3:29
